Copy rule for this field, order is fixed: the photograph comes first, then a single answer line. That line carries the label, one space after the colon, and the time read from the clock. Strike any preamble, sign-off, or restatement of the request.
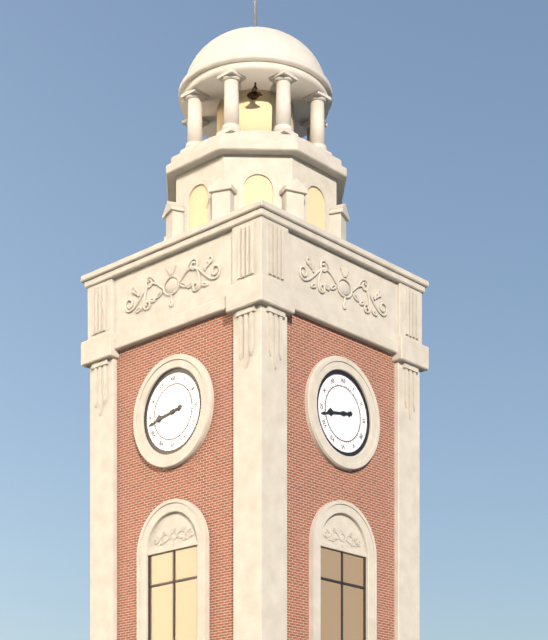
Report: 8:43
